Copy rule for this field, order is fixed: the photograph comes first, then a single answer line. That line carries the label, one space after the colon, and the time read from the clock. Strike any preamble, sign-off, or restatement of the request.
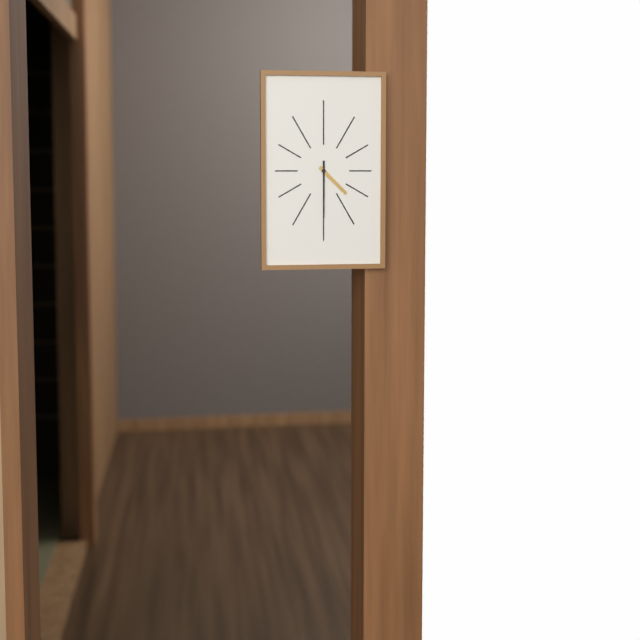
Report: 4:30
